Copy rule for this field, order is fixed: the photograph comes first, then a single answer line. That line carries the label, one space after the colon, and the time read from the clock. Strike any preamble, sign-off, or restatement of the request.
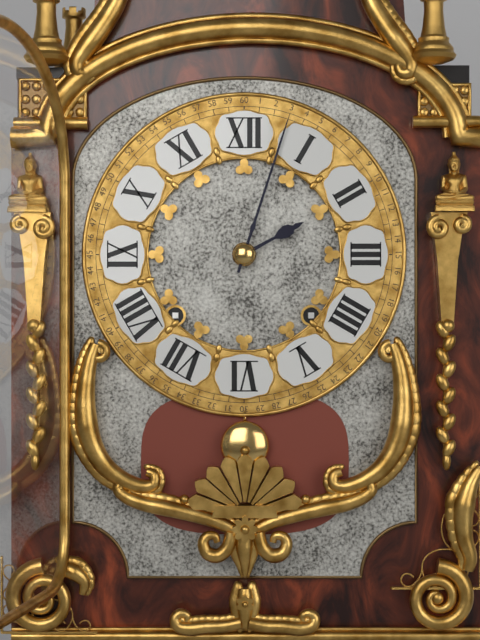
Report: 2:03
